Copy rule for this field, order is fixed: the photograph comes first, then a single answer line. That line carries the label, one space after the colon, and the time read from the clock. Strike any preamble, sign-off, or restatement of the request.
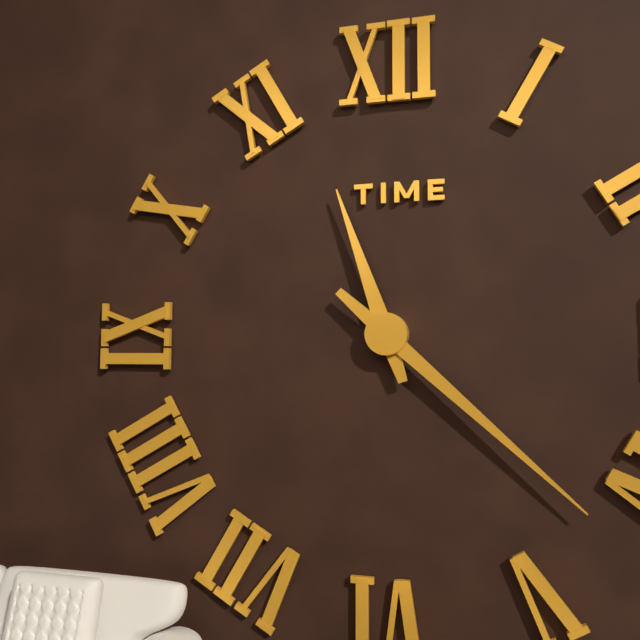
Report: 11:22
